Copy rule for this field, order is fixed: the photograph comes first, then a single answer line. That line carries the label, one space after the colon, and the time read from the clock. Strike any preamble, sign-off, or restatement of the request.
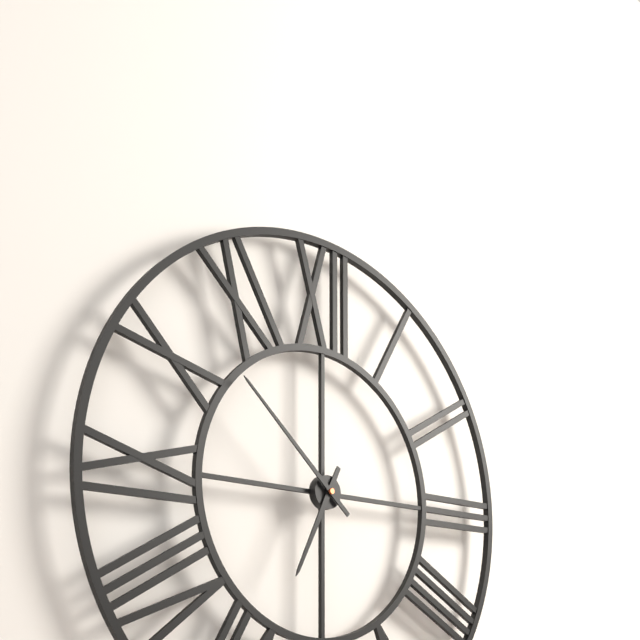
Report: 6:52
